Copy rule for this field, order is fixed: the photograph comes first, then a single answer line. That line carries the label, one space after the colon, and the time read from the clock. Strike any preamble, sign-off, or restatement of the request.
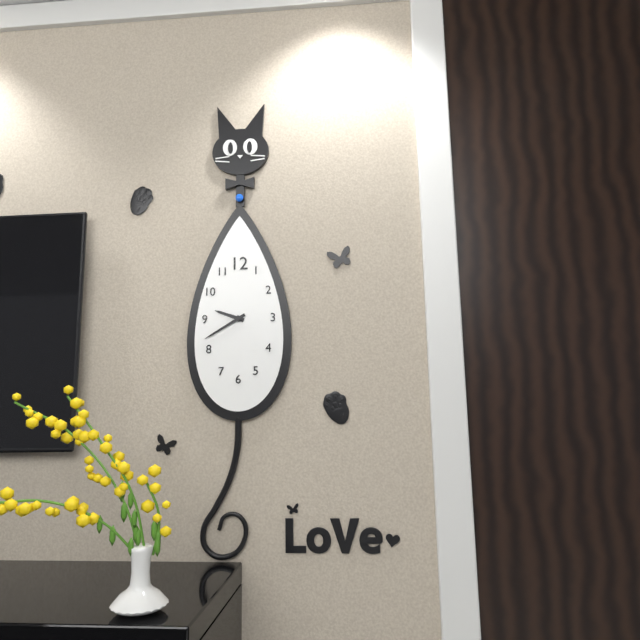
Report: 9:40
